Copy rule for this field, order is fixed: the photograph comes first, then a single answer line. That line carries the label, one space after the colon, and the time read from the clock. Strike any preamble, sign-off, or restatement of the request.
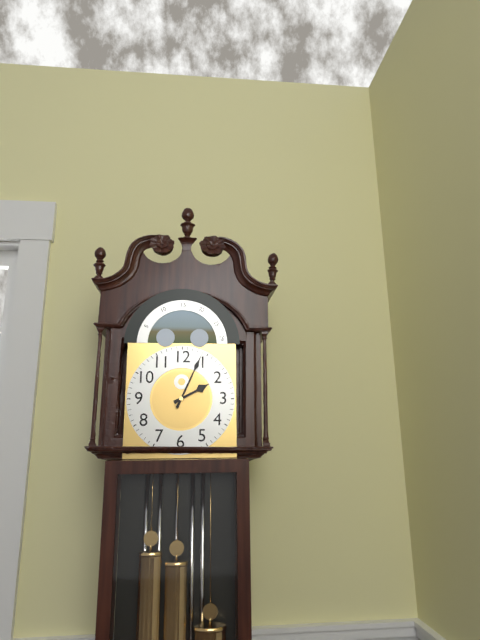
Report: 2:04
